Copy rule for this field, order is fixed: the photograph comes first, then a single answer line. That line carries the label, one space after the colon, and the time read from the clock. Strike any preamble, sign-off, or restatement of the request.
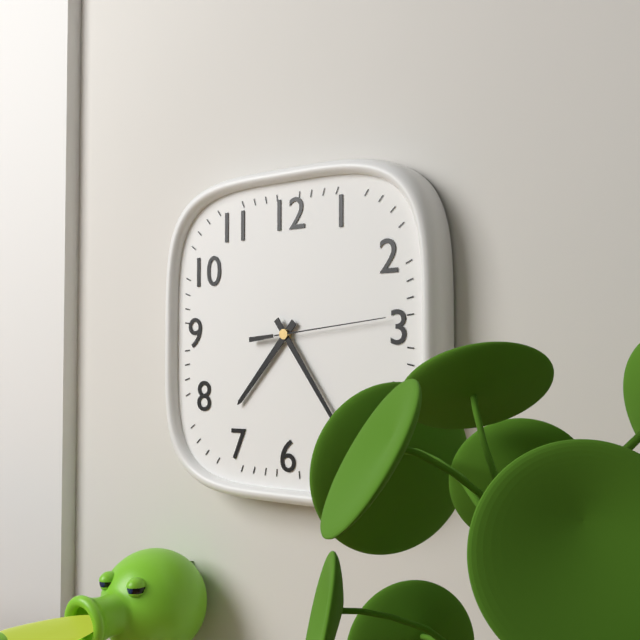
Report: 7:24:14
